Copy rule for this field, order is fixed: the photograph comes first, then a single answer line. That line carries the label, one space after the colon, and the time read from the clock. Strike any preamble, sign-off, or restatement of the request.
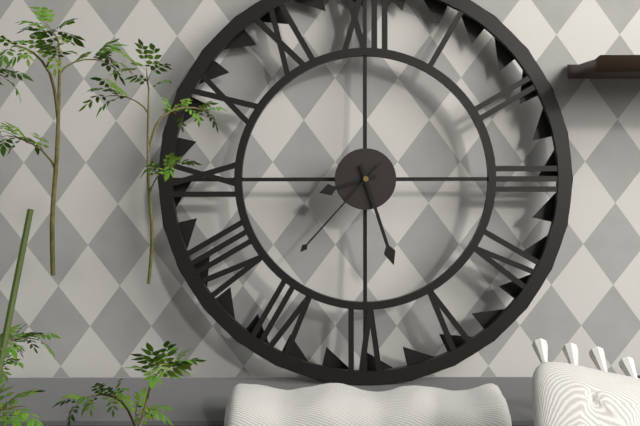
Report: 8:27:37
